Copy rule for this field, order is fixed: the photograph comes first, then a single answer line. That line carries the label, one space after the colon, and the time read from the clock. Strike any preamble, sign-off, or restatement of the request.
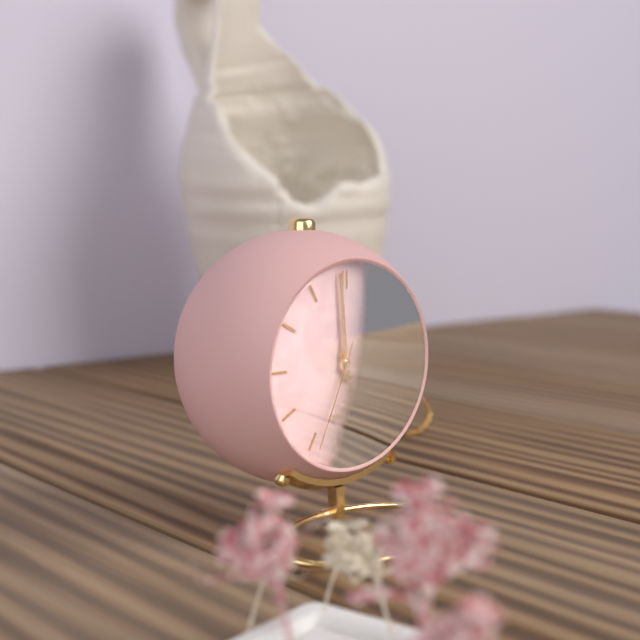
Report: 4:59:34
